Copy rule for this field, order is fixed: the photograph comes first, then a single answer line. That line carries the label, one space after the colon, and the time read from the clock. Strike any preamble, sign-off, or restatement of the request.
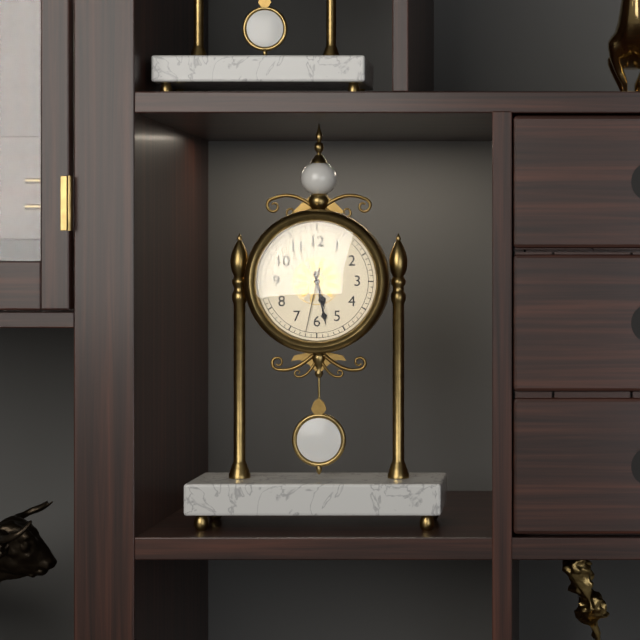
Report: 5:28:32
